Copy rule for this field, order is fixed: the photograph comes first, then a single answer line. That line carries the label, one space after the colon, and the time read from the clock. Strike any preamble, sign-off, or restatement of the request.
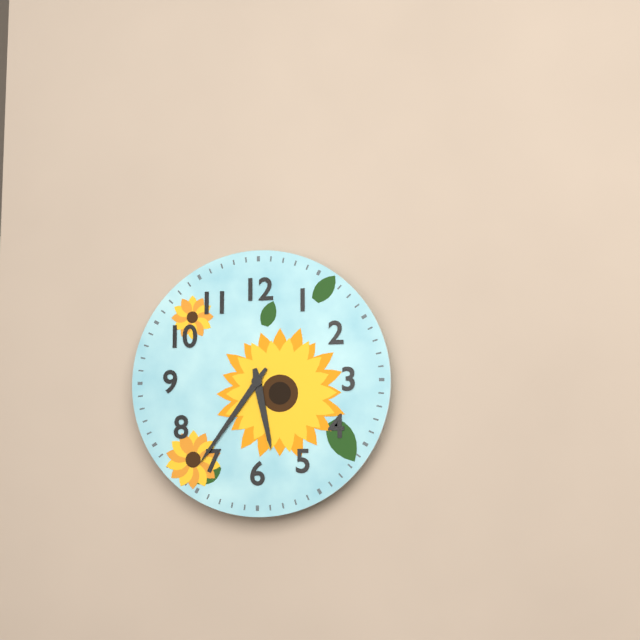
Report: 5:36
